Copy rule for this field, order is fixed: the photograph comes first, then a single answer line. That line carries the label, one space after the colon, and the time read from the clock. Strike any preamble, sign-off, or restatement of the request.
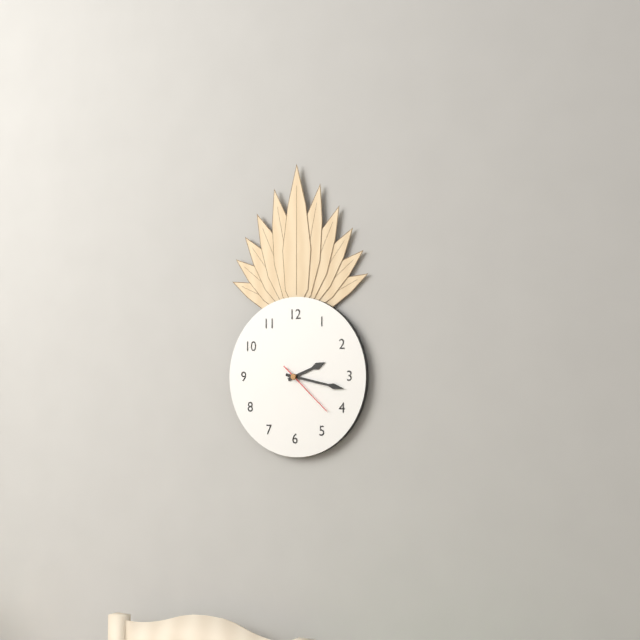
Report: 2:17:22
